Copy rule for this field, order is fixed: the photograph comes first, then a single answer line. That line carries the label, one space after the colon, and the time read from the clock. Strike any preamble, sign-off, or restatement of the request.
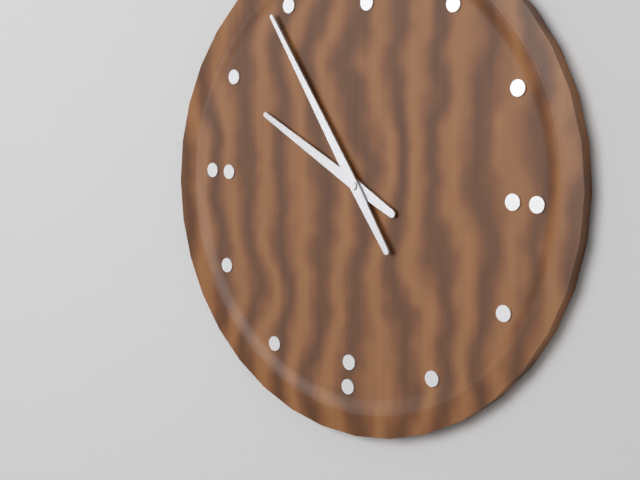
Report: 9:54
